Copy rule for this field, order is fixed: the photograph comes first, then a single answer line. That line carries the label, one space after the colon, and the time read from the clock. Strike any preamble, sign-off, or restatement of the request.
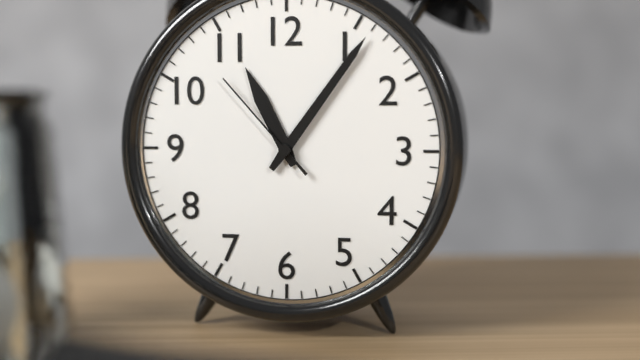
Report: 11:06:53
